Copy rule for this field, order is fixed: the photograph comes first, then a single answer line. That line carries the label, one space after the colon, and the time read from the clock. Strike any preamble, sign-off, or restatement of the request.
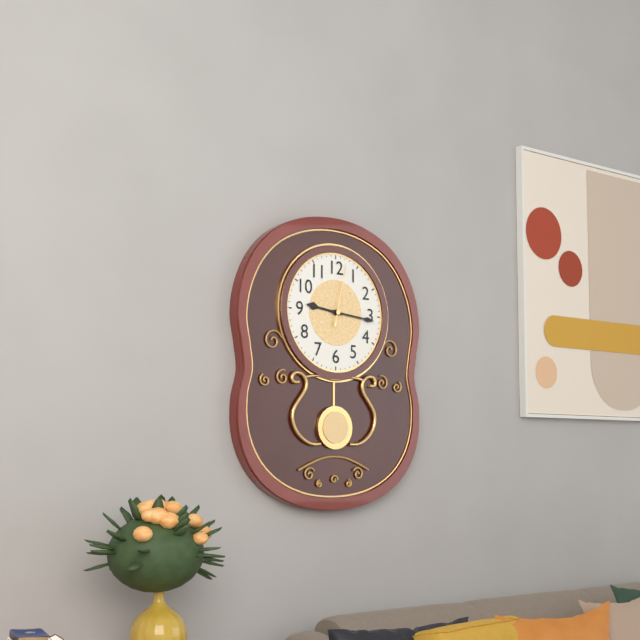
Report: 9:16:02
